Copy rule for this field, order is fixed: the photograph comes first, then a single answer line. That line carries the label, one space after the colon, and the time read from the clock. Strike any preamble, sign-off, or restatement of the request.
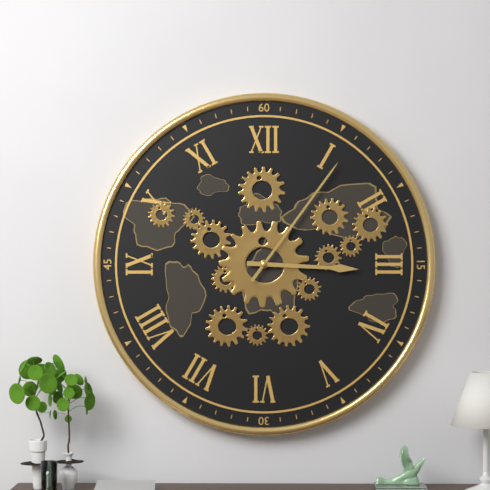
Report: 3:06
